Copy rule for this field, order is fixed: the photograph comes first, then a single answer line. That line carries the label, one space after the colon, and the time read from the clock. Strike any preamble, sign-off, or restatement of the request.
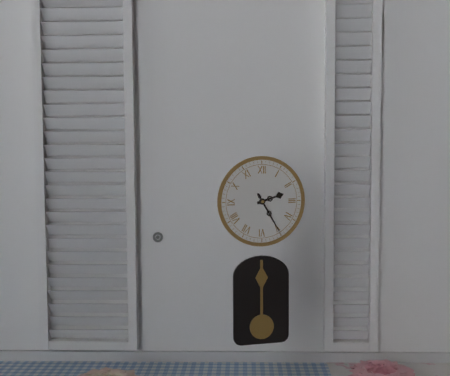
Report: 2:25
